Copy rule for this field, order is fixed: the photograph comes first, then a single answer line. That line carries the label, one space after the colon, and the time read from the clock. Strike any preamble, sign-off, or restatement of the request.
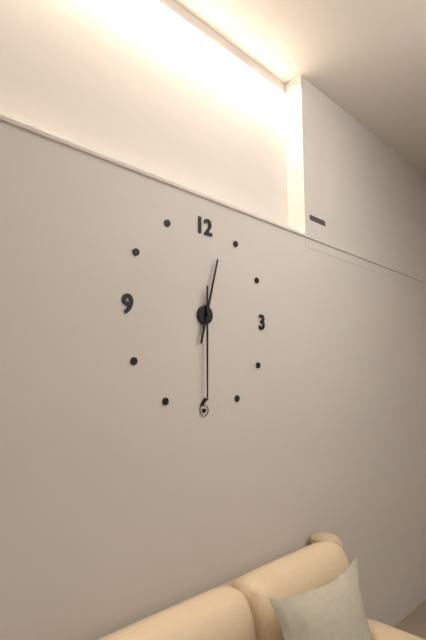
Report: 12:30
